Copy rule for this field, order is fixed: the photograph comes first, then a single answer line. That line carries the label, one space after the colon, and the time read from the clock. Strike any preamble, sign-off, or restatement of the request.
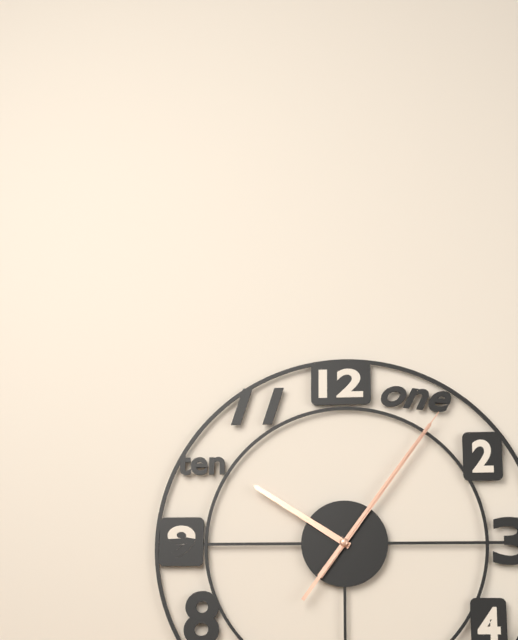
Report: 10:06:06
